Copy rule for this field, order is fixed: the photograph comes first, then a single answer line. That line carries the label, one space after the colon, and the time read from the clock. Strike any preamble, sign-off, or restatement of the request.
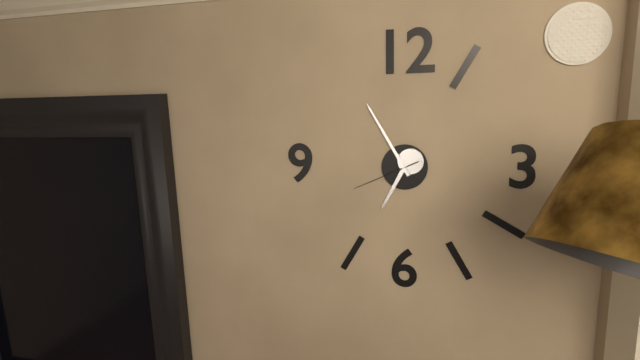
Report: 6:55:41
